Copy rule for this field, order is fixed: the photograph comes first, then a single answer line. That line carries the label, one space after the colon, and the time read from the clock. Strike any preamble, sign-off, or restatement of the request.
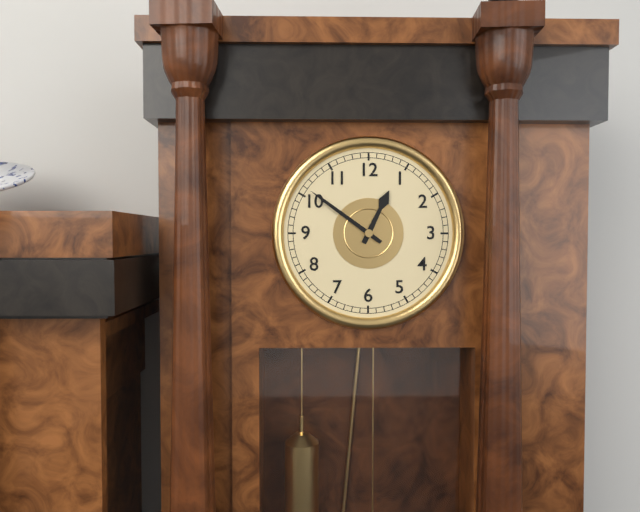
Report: 12:51
